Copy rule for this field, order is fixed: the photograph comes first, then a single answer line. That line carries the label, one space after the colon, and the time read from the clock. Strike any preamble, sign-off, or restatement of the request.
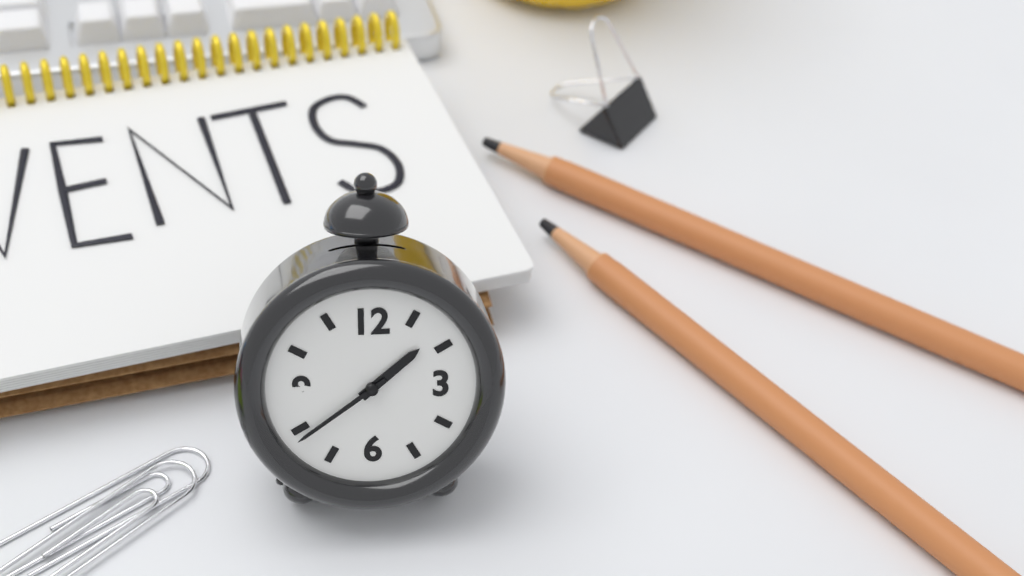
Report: 1:39
